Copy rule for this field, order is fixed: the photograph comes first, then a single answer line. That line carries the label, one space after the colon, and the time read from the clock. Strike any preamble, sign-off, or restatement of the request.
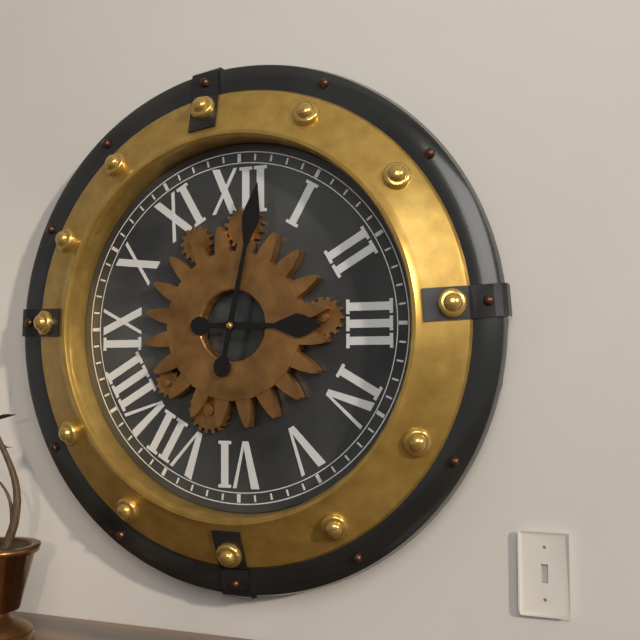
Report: 3:02
